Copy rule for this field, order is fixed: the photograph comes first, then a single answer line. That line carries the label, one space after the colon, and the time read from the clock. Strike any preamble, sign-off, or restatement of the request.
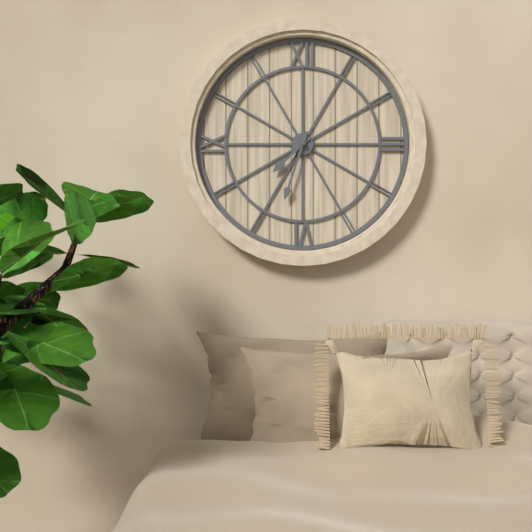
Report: 7:33
